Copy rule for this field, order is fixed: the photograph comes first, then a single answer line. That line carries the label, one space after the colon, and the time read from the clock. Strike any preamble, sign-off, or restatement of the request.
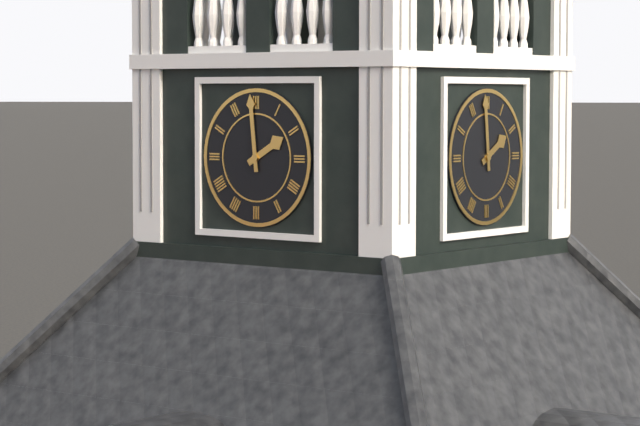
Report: 1:59
